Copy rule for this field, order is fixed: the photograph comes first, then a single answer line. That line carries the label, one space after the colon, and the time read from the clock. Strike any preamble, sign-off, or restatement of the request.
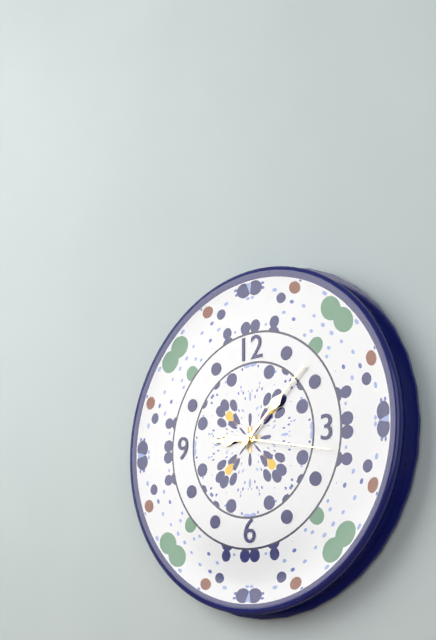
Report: 9:08:17
